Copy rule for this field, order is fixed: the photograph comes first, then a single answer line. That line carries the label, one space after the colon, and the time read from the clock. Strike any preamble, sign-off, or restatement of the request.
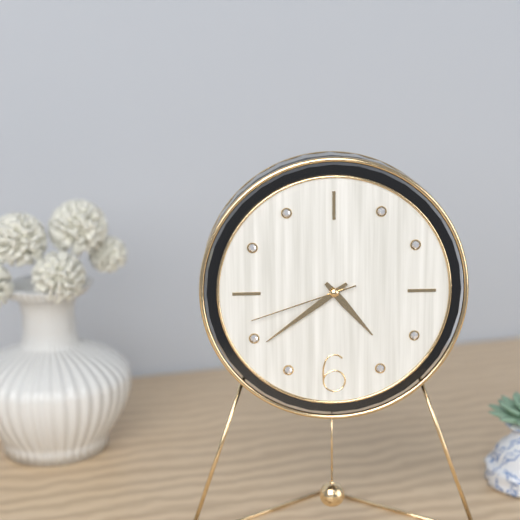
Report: 4:39:42
